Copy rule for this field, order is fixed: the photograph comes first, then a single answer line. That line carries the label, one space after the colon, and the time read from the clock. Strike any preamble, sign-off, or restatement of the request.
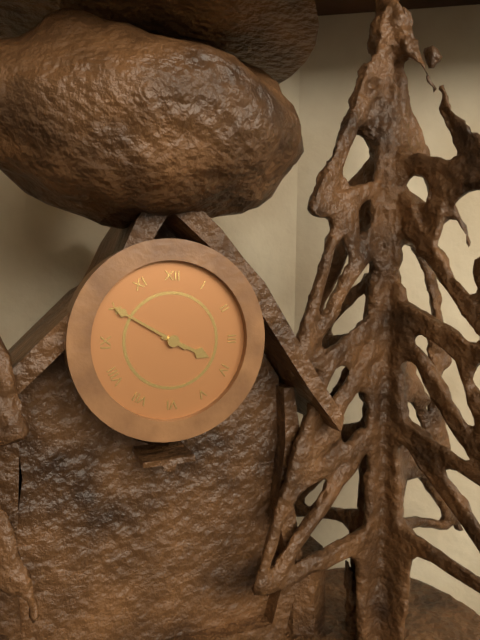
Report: 3:50
